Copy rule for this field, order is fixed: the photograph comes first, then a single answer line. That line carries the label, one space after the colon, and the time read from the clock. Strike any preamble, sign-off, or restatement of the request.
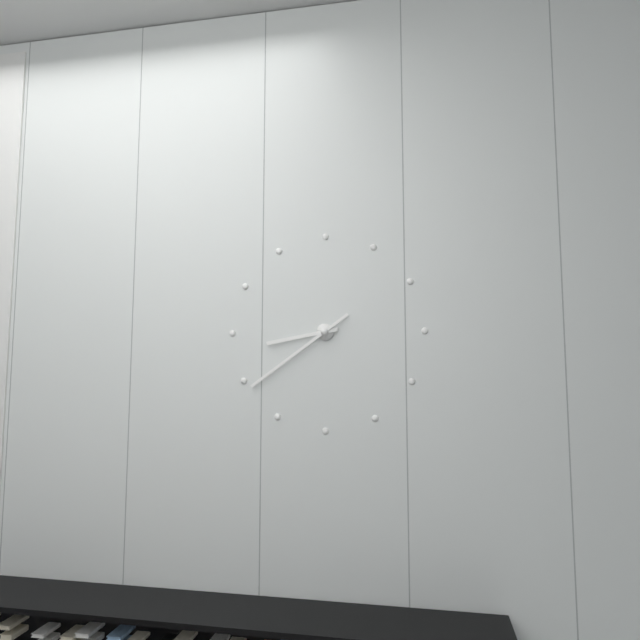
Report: 8:39
